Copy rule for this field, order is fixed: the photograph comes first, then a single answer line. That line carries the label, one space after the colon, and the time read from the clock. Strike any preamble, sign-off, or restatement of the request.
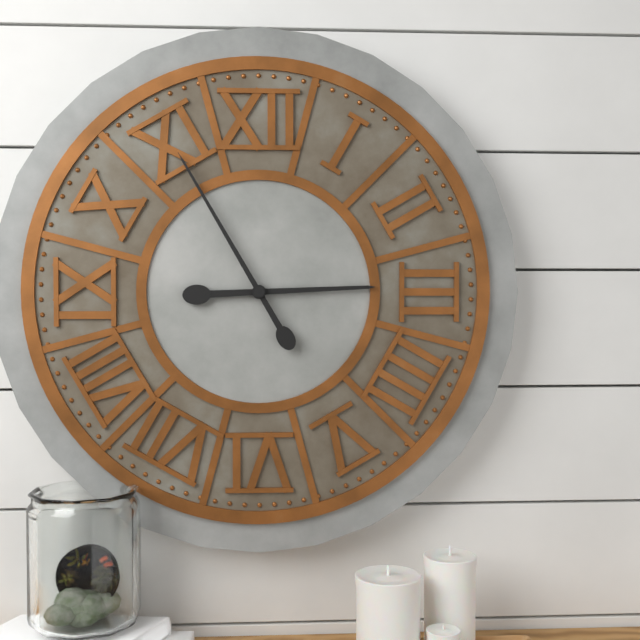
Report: 2:55
